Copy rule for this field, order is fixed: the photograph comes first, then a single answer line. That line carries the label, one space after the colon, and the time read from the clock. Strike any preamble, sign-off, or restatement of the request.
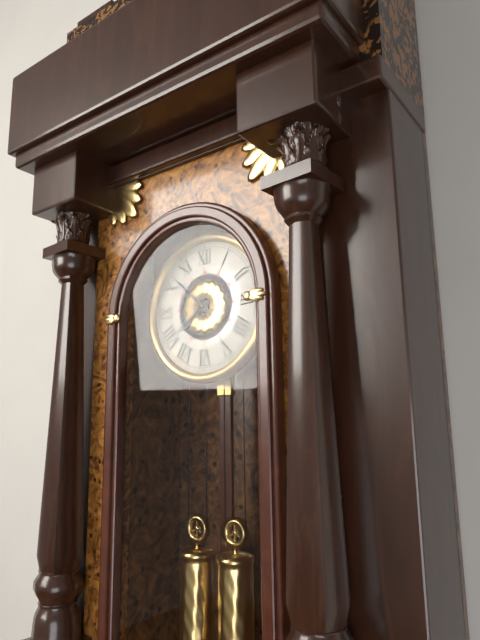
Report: 7:52
